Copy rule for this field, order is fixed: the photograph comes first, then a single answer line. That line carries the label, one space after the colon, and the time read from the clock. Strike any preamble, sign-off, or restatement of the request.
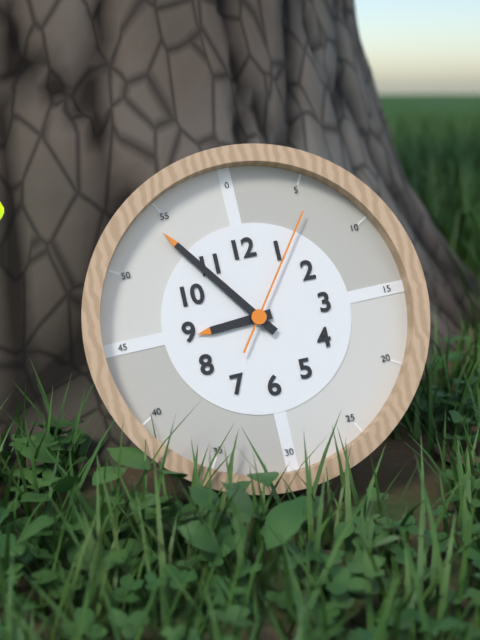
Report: 8:54:06
